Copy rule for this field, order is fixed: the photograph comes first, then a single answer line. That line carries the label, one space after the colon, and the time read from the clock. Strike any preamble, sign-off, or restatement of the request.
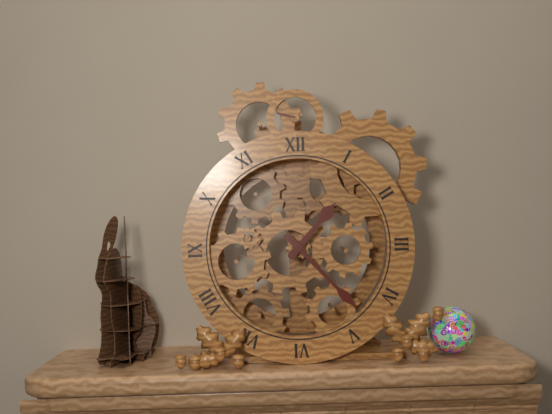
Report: 1:23
